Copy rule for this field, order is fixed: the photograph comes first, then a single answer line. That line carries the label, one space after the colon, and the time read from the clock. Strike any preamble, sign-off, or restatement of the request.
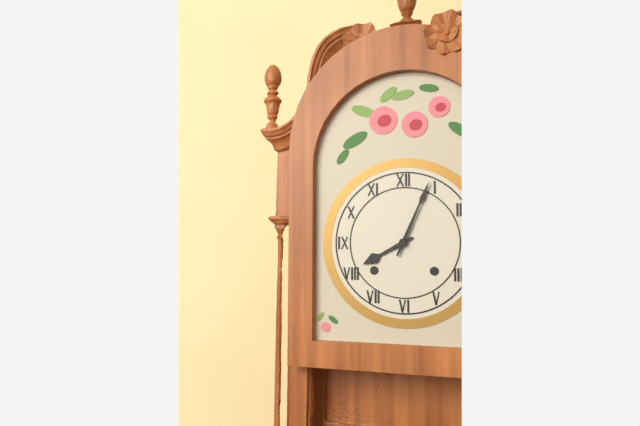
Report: 8:04
